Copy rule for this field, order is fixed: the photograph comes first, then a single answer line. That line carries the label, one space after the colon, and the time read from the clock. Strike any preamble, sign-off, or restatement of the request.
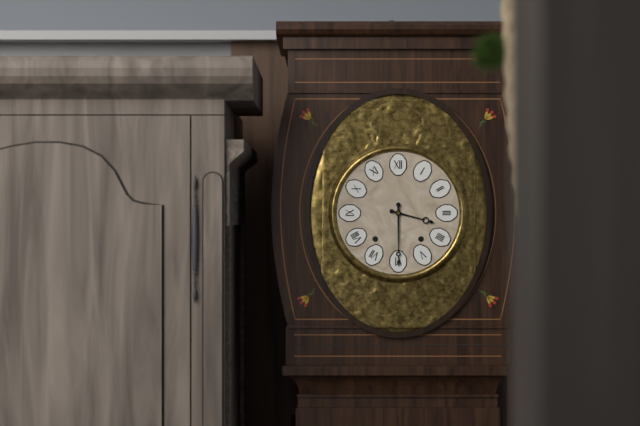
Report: 3:30
